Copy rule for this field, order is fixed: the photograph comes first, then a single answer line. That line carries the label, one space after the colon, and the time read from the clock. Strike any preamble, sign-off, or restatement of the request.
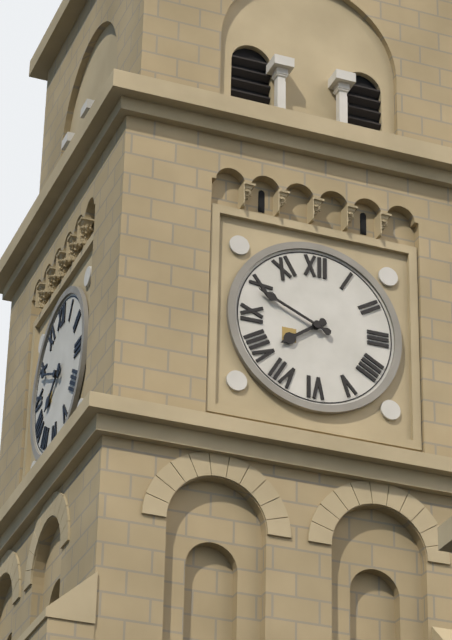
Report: 7:49
